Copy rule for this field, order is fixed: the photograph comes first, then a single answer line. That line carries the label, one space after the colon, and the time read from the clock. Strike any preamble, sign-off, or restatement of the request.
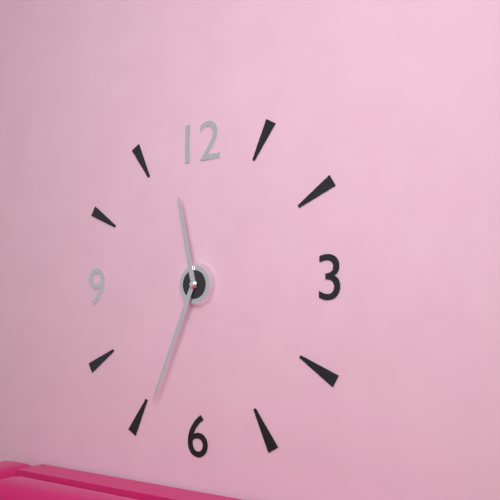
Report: 11:34
